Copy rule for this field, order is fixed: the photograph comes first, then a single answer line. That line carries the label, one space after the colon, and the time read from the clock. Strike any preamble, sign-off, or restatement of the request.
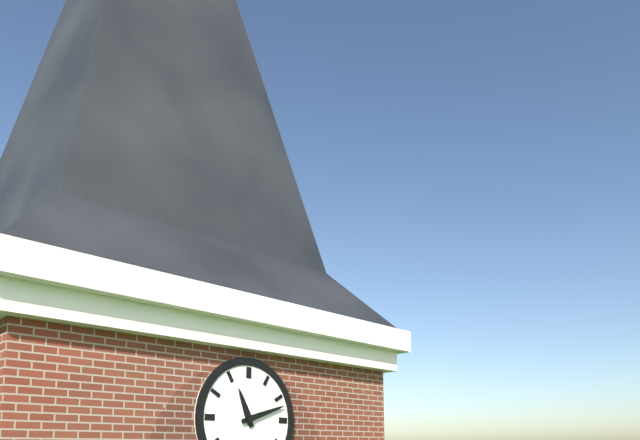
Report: 11:12
